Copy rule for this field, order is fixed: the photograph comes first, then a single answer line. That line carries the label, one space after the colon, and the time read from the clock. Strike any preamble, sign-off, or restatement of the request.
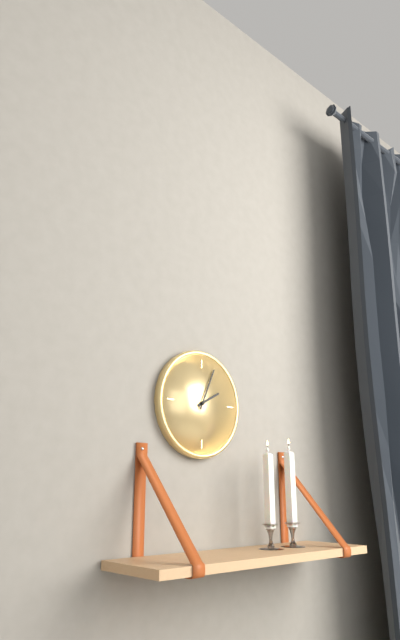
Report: 2:04
